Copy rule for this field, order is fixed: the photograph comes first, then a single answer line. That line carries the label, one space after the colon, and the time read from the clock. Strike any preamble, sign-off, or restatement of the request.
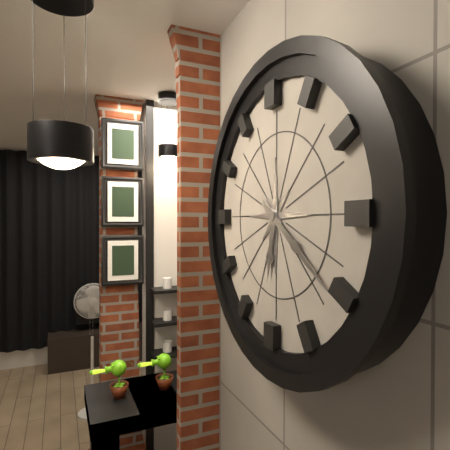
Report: 6:21
